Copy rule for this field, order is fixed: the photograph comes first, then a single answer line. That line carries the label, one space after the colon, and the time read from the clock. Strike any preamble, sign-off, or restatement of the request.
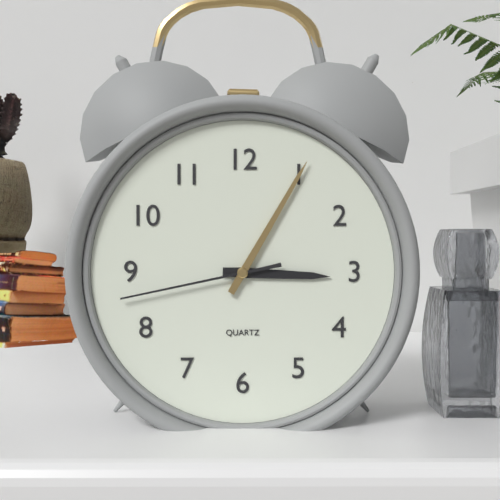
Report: 3:05:43
